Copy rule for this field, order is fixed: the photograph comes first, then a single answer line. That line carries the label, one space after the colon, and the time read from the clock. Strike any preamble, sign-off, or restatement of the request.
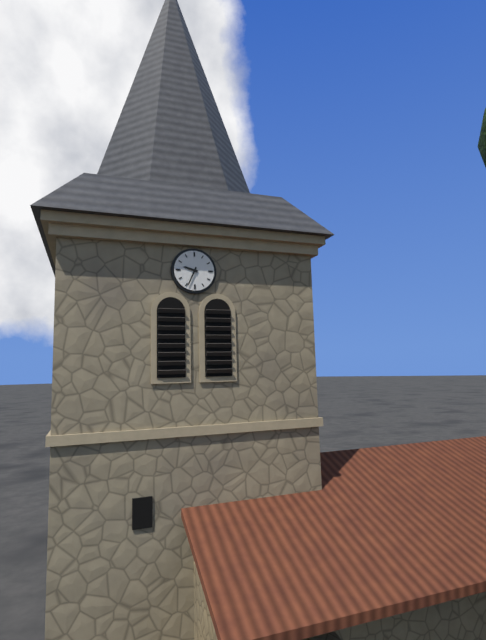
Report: 9:34
